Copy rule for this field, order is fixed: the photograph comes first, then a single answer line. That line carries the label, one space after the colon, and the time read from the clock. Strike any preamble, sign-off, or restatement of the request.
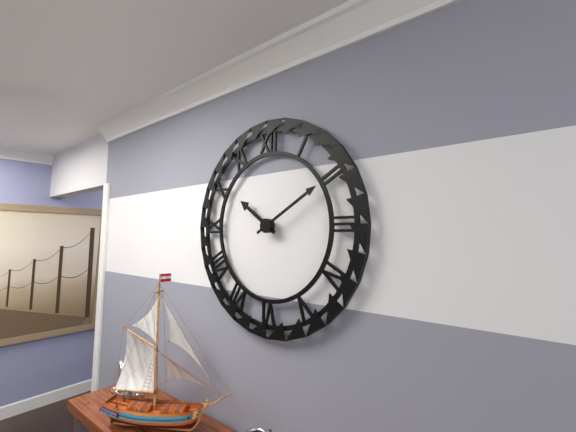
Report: 10:10
